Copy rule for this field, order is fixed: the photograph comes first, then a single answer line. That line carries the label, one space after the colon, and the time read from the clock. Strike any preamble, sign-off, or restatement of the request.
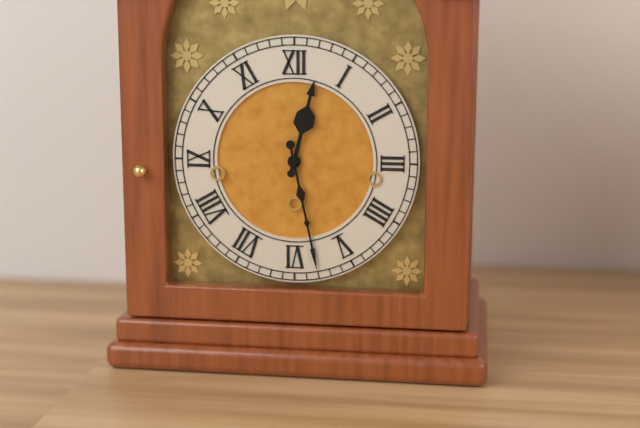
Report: 12:28
